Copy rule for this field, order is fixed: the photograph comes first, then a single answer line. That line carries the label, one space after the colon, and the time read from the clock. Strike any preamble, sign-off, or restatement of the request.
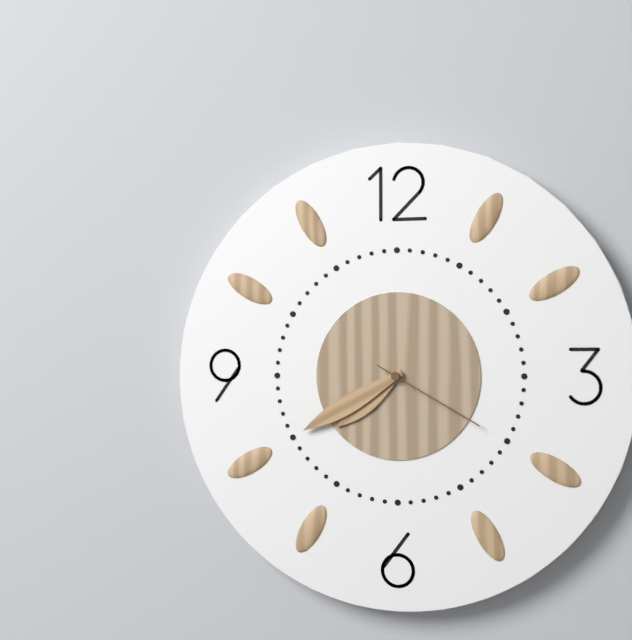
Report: 7:40:20
